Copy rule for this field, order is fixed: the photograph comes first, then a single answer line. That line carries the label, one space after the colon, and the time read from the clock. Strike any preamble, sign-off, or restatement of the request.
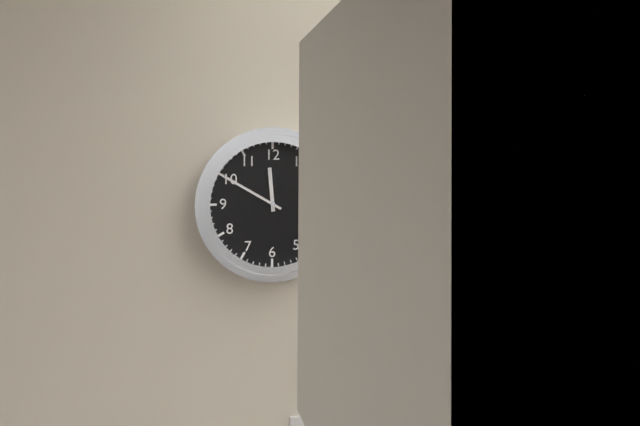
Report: 11:50
